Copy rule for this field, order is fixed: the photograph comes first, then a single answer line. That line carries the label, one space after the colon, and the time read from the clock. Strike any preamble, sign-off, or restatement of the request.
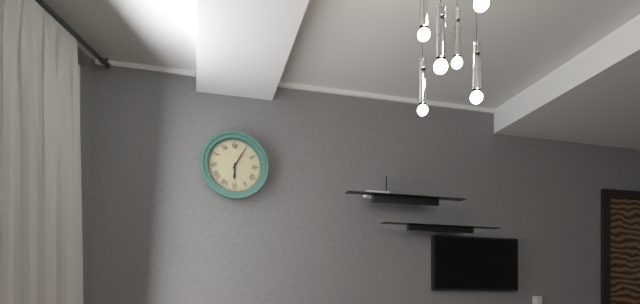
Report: 6:05
